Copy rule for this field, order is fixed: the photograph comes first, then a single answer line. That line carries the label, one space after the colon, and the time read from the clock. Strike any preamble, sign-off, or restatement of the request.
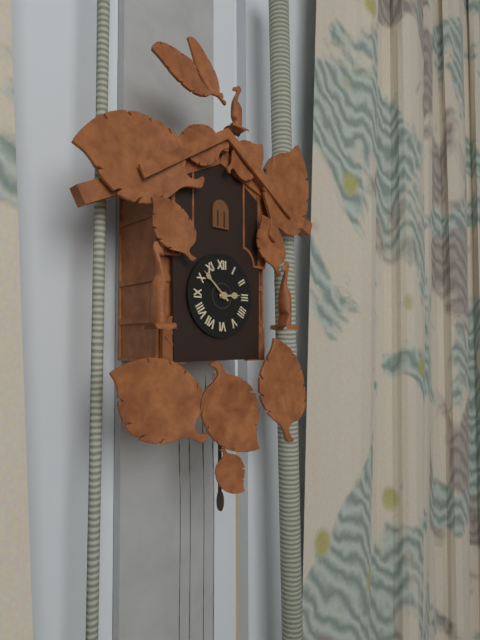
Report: 2:52
